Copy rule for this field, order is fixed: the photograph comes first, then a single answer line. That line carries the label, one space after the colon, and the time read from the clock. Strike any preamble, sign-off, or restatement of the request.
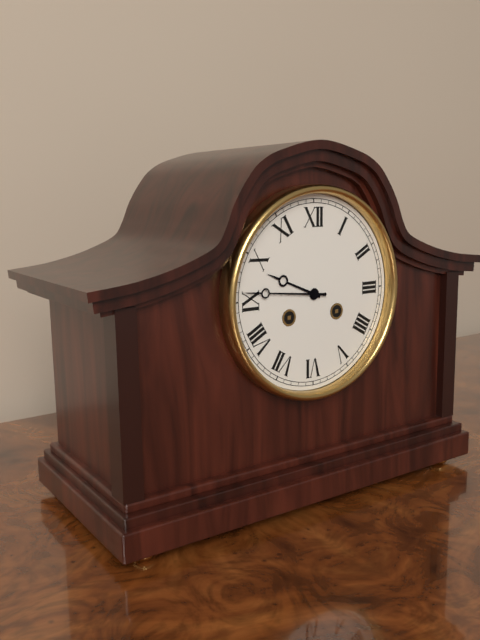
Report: 9:46
